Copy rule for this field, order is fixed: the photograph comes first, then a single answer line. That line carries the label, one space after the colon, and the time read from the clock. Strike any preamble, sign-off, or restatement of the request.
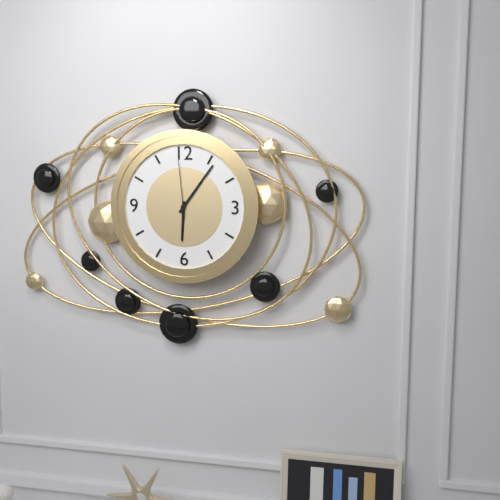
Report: 6:06:59
